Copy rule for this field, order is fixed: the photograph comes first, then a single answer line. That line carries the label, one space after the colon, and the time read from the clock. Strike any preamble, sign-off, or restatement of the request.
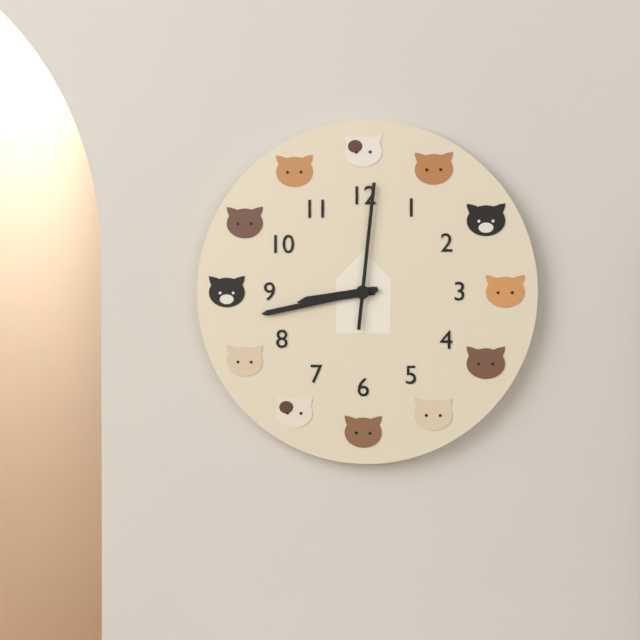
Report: 8:43:01
